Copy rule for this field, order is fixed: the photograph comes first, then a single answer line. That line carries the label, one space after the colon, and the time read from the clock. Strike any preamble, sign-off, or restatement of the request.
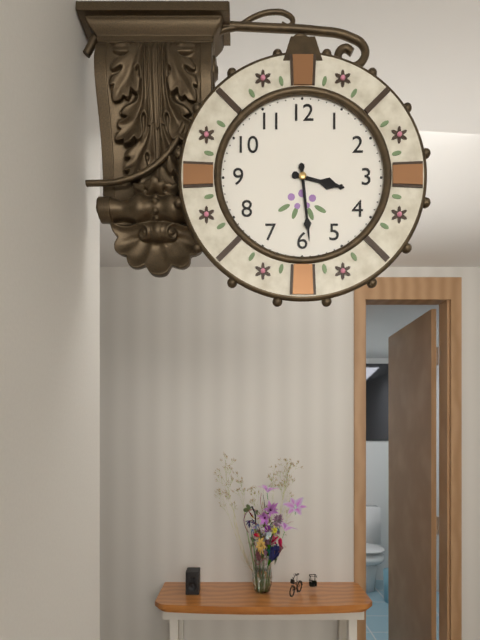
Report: 3:29
